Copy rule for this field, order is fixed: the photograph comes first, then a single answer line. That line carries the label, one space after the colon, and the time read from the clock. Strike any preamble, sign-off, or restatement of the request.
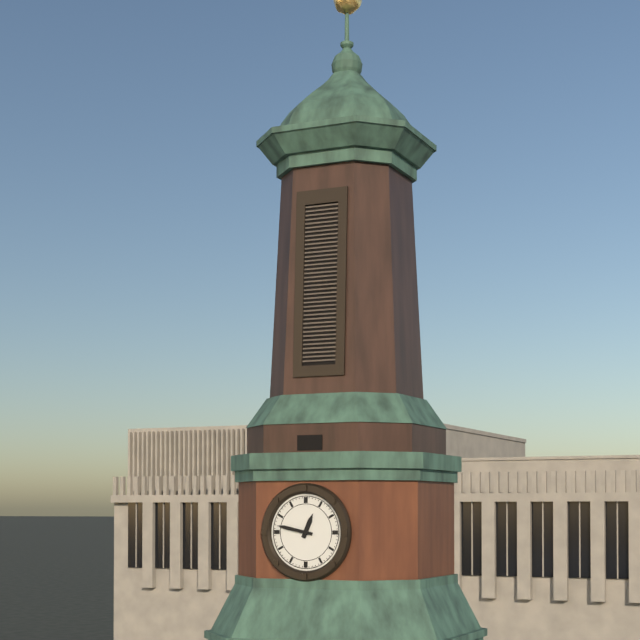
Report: 12:47
